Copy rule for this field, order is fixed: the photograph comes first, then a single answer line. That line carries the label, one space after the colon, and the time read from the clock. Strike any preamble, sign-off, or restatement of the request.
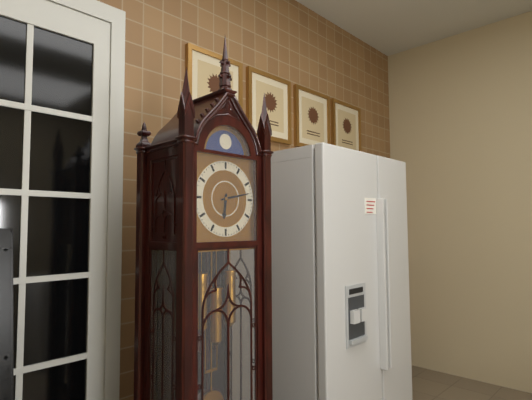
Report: 6:13
